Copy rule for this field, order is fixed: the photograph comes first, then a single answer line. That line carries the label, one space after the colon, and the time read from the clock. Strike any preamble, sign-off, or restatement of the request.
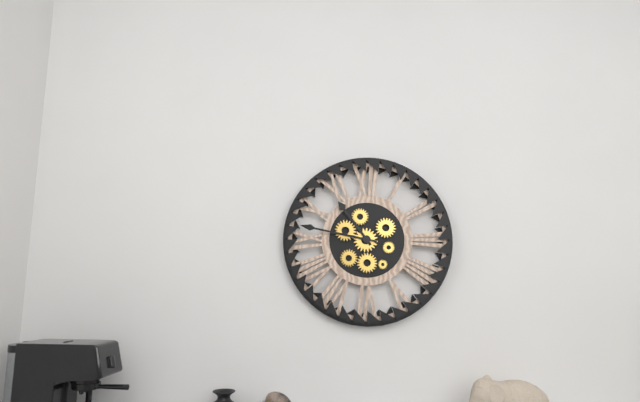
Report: 10:47
